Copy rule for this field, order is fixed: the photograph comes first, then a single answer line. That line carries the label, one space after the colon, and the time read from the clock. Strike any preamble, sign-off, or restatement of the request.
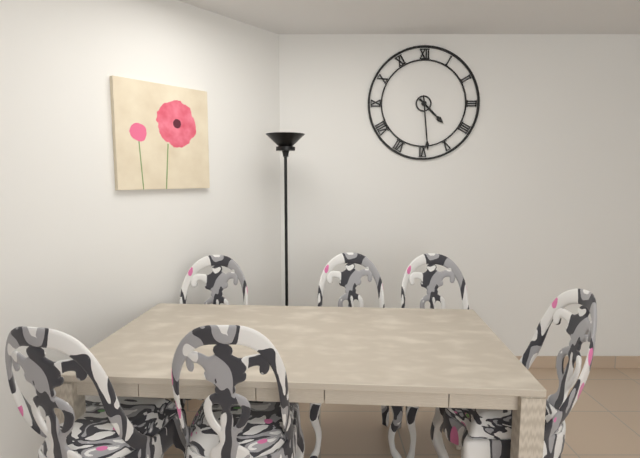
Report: 4:29
